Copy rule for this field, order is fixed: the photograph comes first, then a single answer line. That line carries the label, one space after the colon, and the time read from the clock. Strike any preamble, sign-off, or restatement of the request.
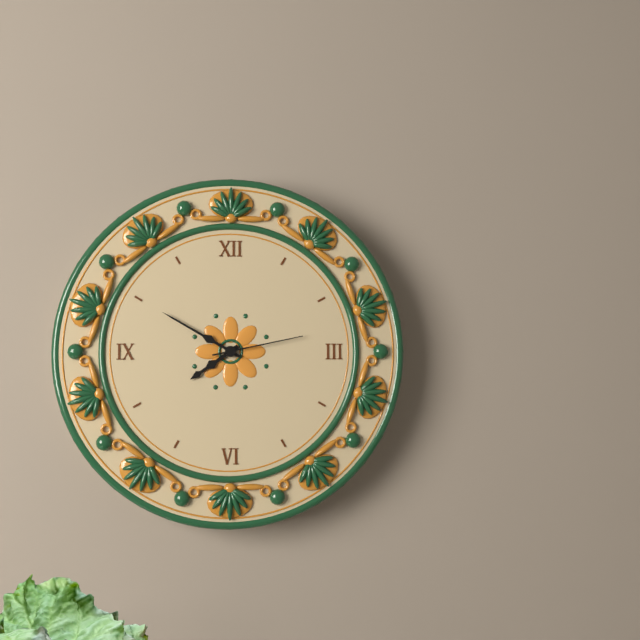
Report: 7:50:13
